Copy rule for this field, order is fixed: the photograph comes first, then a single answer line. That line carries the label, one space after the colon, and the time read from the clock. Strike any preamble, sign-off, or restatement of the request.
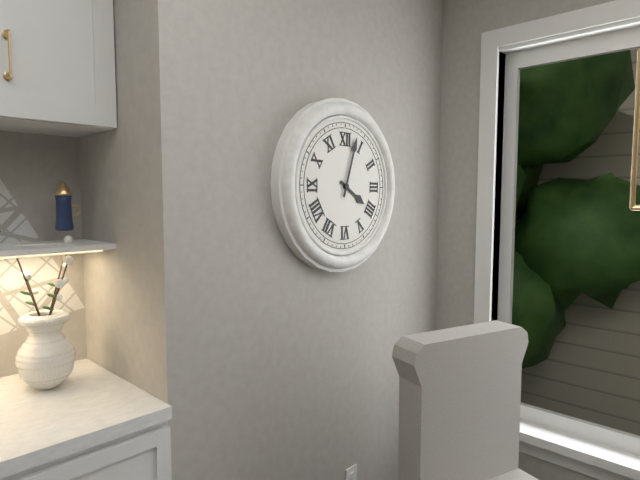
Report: 4:03
